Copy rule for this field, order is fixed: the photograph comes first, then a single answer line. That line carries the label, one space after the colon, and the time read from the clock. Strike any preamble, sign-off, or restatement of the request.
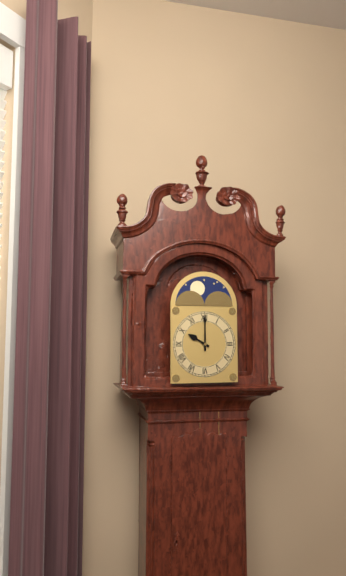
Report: 10:00
